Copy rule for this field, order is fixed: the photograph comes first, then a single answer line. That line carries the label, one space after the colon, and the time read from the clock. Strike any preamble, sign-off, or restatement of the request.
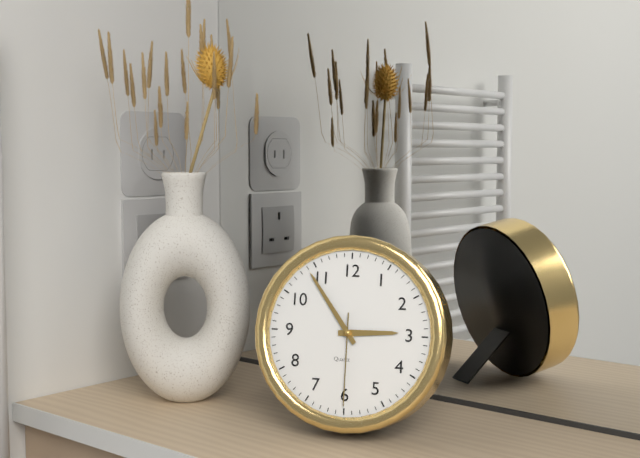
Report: 2:54:30
